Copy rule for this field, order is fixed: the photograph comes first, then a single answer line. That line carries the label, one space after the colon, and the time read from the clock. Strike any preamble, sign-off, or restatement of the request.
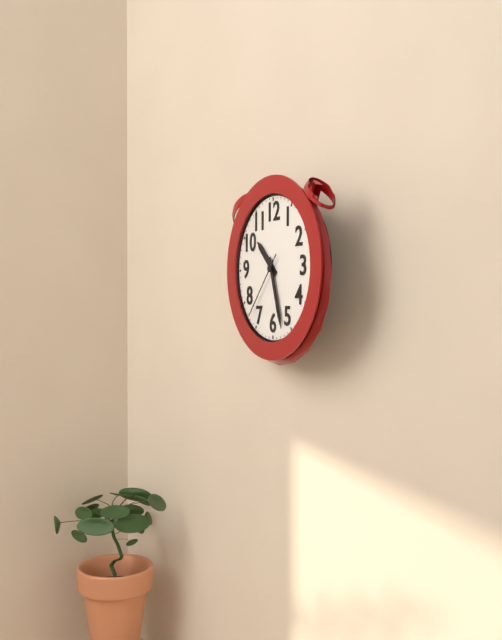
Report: 10:27:37
